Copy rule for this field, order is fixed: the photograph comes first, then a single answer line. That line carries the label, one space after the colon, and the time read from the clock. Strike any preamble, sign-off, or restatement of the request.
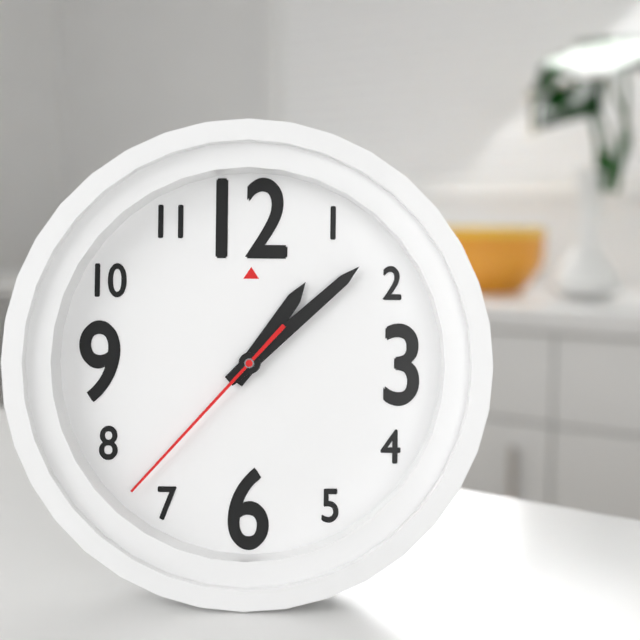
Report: 1:08:37
